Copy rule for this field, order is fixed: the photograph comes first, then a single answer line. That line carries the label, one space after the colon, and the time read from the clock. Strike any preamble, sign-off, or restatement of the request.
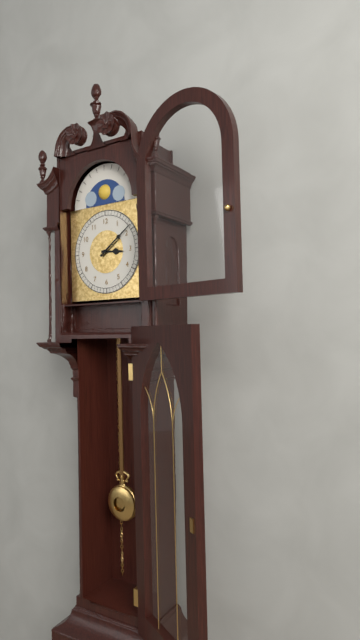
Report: 3:09
